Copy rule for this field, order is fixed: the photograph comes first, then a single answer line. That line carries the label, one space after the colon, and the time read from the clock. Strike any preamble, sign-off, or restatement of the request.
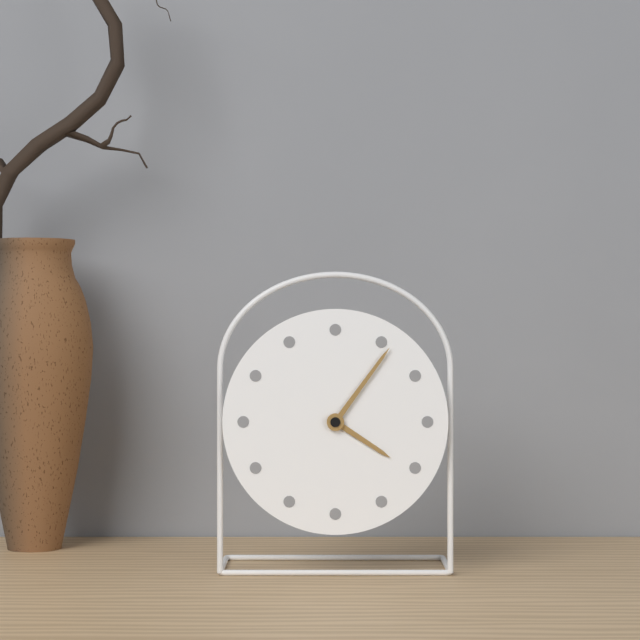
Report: 4:06
